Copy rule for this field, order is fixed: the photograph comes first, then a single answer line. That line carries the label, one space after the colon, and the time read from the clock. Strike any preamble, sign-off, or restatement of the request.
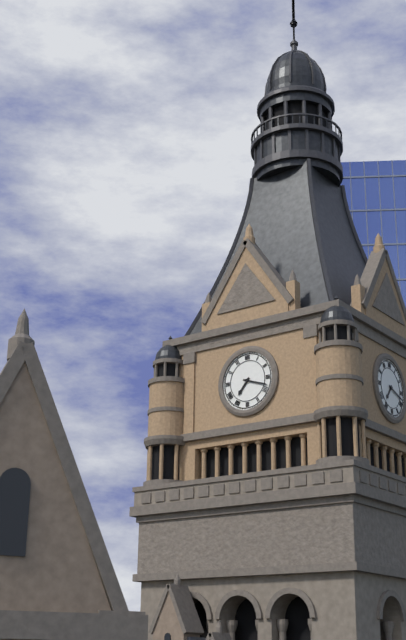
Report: 7:18
